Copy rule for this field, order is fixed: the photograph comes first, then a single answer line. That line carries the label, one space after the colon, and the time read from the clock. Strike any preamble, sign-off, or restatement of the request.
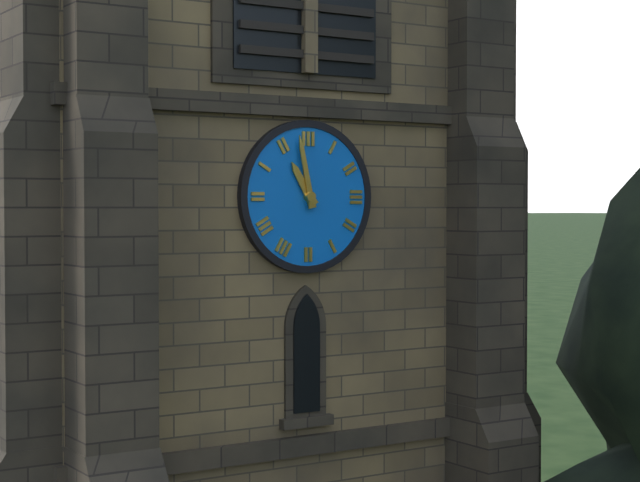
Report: 10:58
